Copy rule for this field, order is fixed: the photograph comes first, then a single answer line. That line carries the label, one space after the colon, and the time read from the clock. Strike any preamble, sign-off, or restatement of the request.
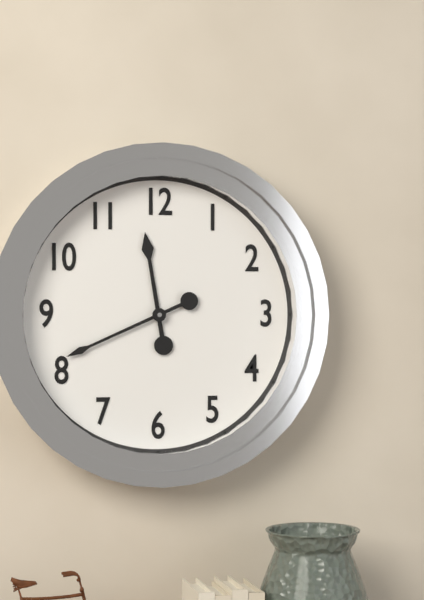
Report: 11:41
